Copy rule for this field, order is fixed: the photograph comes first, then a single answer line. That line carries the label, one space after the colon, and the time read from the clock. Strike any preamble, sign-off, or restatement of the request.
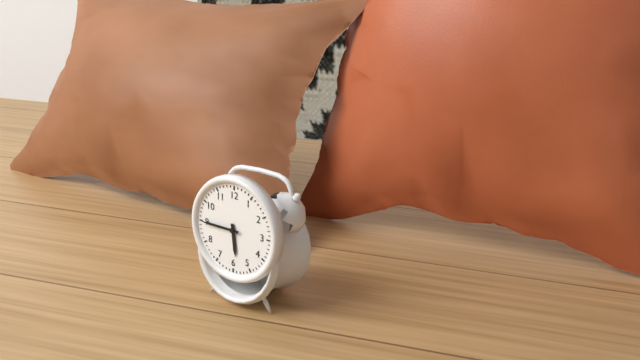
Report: 5:45
